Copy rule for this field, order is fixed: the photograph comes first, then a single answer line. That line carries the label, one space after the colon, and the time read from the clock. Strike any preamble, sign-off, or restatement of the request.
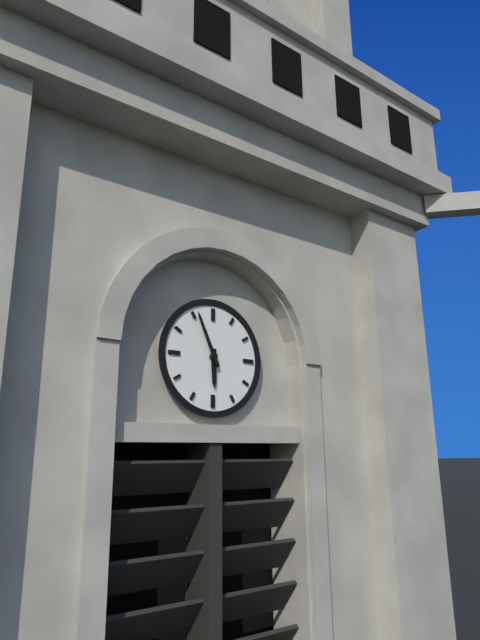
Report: 5:56
